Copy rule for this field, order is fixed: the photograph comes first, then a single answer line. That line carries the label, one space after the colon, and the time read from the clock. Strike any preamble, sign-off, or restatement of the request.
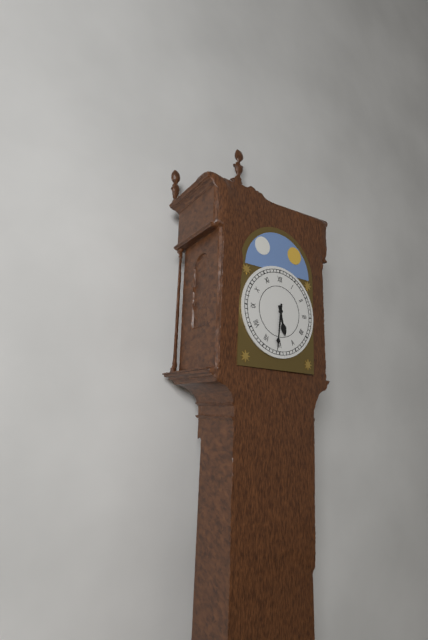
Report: 5:31
